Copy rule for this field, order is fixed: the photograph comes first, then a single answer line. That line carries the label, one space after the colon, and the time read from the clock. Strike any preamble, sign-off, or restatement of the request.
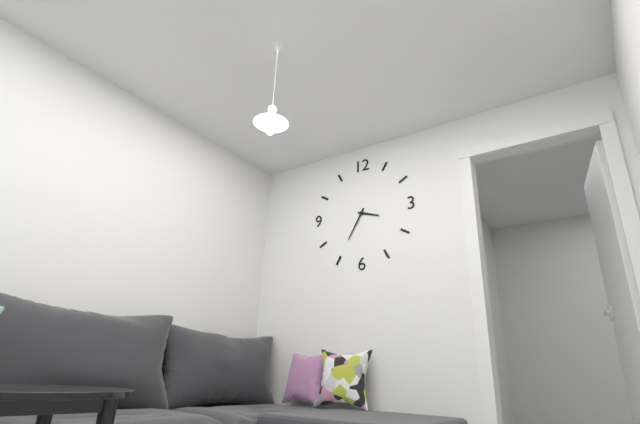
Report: 3:35
